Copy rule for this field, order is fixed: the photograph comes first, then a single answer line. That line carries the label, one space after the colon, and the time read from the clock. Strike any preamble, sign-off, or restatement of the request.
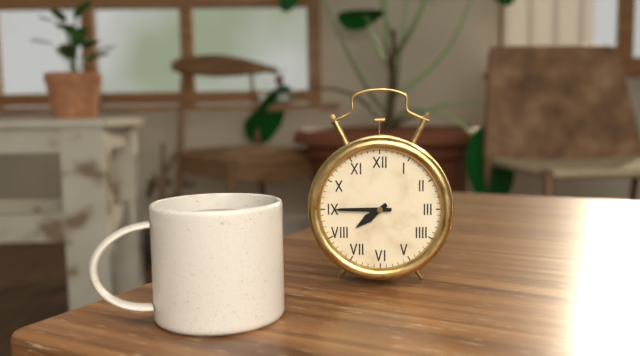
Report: 7:45
